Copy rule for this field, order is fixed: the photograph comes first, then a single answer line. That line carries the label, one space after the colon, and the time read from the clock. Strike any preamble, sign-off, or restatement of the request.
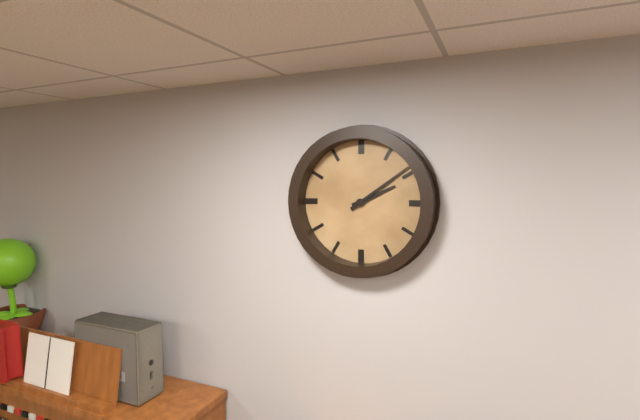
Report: 2:09
